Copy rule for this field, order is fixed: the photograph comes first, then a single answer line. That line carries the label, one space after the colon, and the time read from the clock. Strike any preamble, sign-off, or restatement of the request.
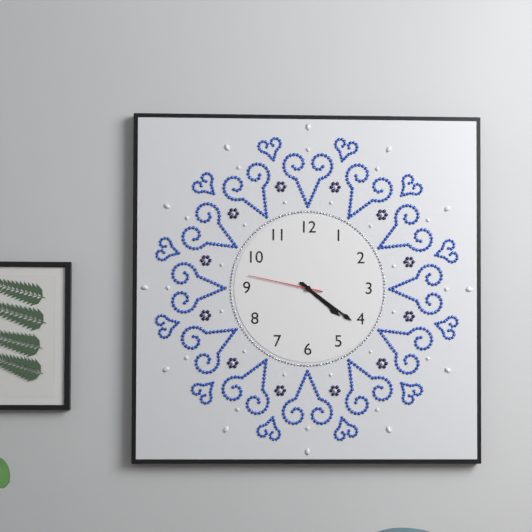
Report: 4:21:47
